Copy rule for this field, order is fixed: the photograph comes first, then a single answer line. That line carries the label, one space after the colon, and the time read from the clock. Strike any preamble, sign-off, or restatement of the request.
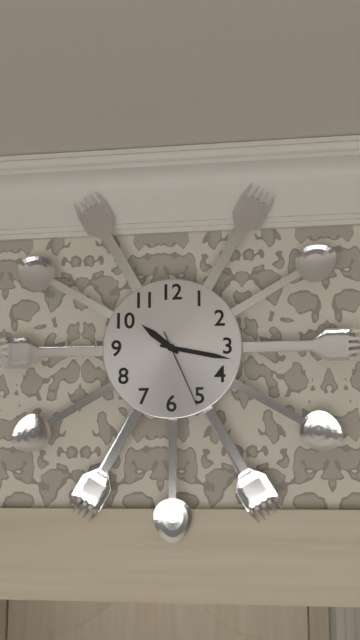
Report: 10:17:26
